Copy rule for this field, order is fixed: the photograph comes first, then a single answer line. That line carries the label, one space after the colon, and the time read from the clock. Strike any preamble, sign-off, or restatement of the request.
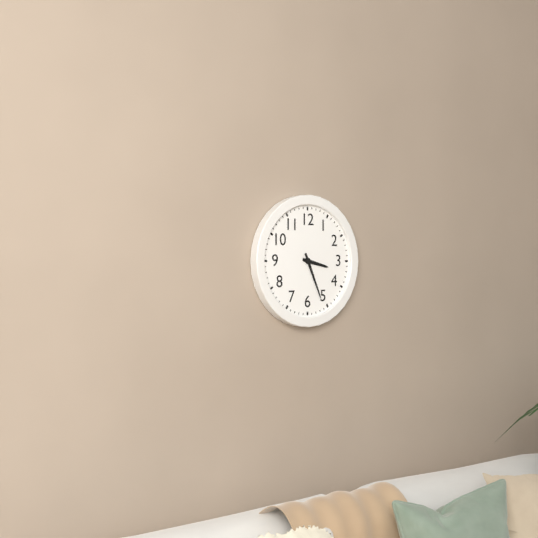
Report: 3:26
